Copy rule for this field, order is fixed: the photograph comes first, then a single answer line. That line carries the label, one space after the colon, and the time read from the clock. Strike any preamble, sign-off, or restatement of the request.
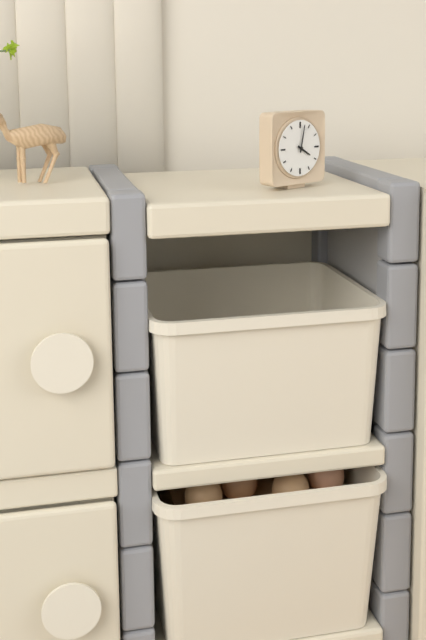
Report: 4:02
